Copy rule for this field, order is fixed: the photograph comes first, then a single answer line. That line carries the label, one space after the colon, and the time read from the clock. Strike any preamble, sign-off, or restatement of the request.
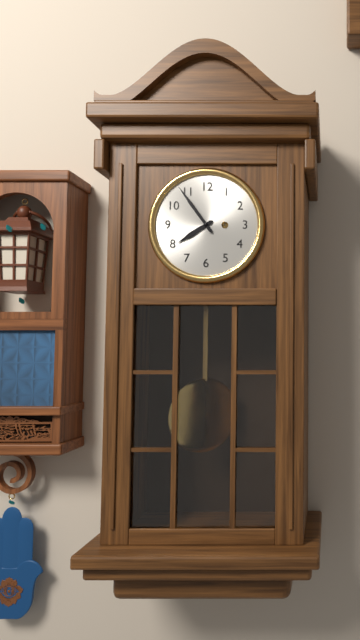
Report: 7:54
